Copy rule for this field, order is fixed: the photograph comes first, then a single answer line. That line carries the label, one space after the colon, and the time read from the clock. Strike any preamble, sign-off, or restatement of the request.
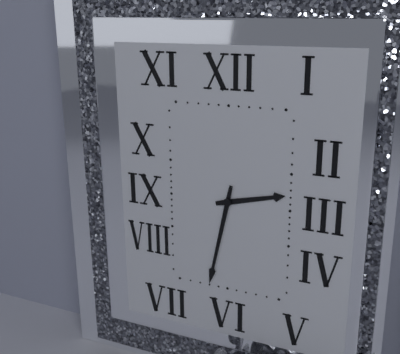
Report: 2:32
